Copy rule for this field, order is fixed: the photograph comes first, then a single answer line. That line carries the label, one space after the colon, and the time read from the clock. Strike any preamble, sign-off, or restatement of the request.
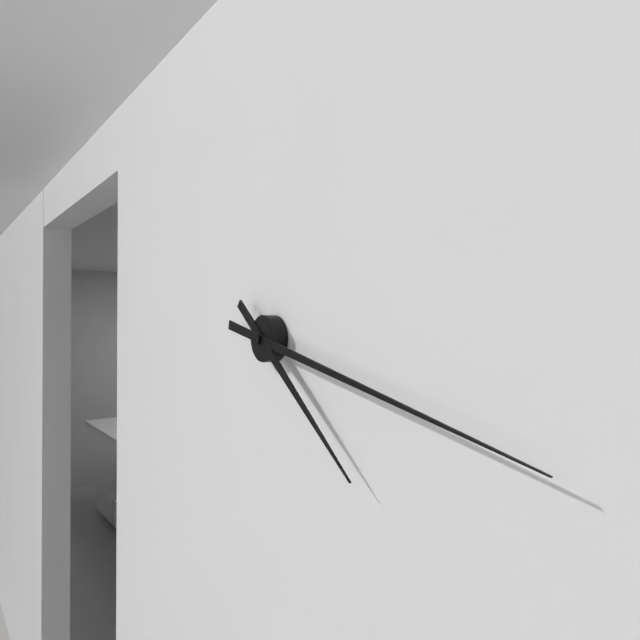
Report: 4:17
